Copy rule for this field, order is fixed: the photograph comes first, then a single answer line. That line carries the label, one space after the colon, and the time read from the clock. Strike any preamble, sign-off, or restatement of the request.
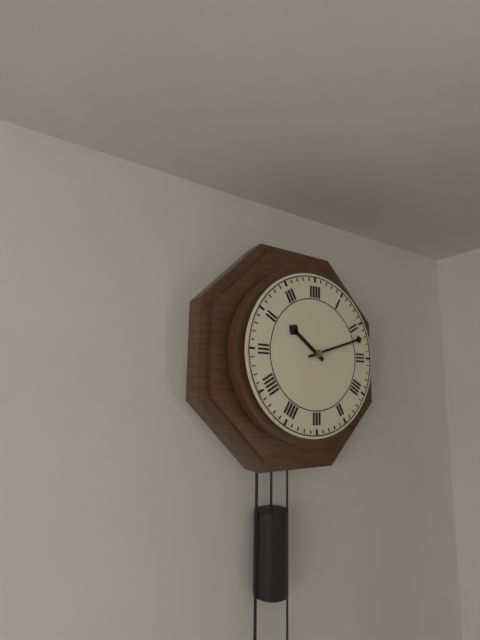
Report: 10:12
